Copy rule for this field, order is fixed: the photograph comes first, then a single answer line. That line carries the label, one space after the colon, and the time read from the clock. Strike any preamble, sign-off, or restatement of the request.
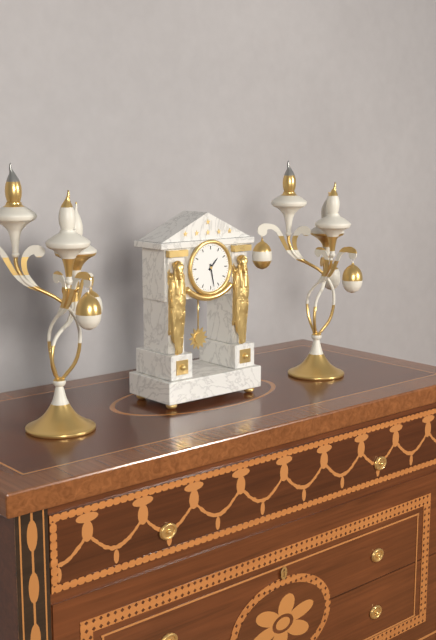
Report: 1:28
